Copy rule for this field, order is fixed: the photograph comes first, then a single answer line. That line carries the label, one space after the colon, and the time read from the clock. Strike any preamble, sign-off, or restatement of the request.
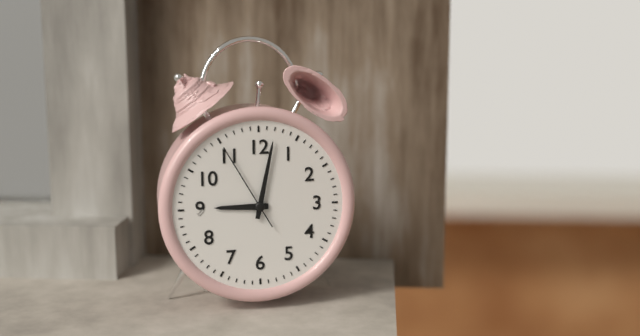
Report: 9:02:55
